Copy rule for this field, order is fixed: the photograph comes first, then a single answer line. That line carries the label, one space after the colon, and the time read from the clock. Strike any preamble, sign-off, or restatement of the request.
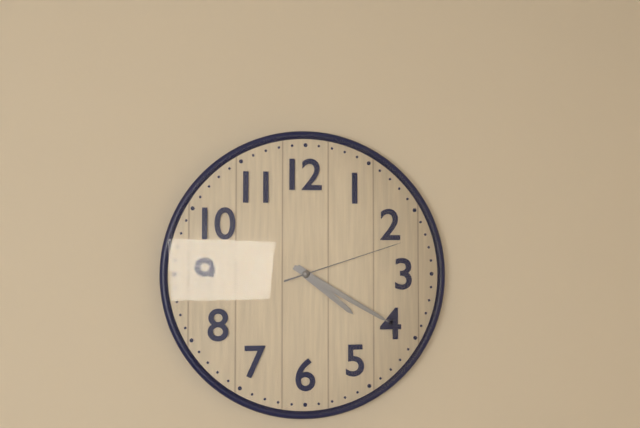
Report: 4:20:12
